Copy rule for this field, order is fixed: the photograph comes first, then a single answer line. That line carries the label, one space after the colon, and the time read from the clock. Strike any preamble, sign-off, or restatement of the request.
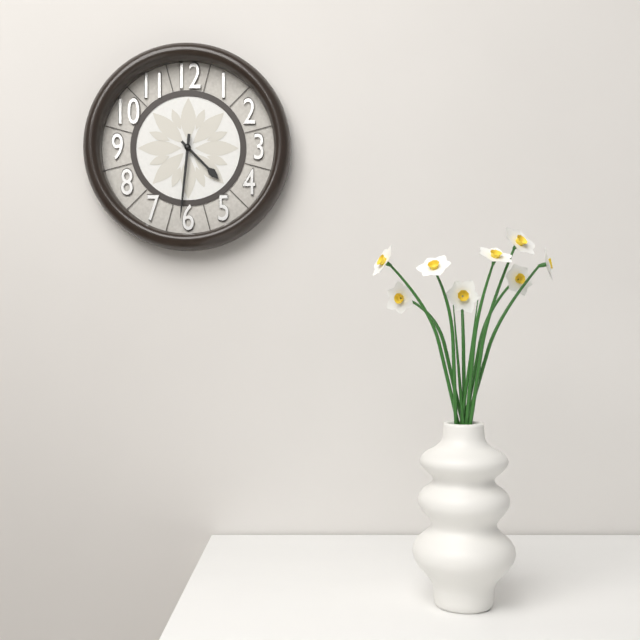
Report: 4:31
